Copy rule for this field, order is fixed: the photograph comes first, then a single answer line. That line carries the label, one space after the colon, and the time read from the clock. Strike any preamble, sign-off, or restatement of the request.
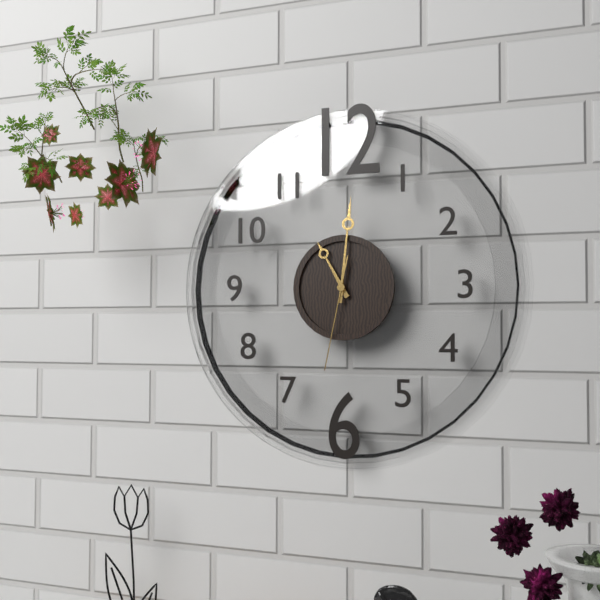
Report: 11:01:32
